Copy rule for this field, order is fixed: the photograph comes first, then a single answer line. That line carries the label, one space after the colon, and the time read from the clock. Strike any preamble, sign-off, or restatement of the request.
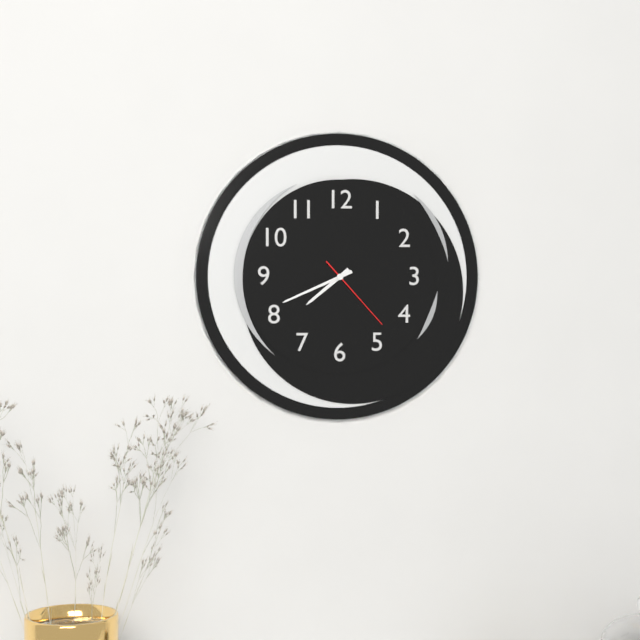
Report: 7:41:23
